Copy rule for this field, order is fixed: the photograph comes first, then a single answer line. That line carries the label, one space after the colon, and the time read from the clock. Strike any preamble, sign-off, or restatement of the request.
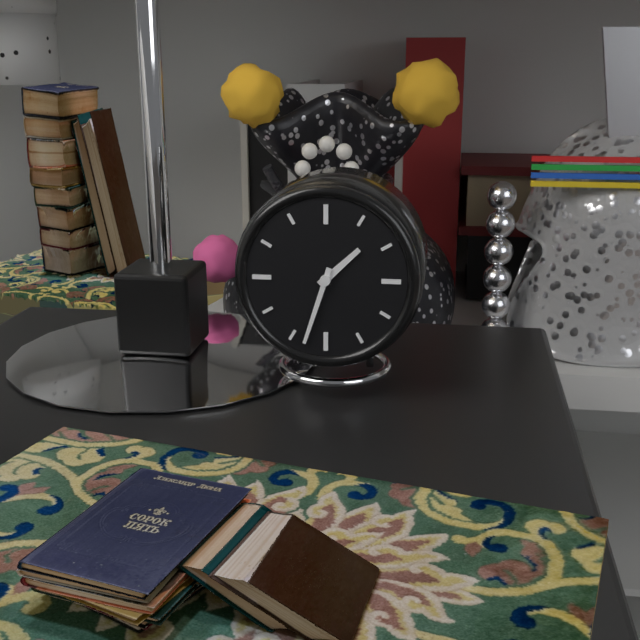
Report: 1:33
